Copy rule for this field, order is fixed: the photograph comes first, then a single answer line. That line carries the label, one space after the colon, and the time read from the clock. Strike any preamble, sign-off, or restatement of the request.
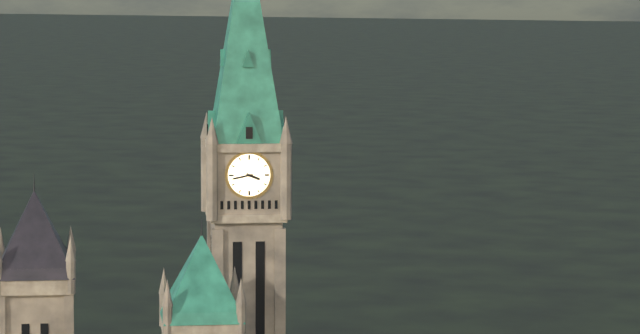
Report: 3:43
